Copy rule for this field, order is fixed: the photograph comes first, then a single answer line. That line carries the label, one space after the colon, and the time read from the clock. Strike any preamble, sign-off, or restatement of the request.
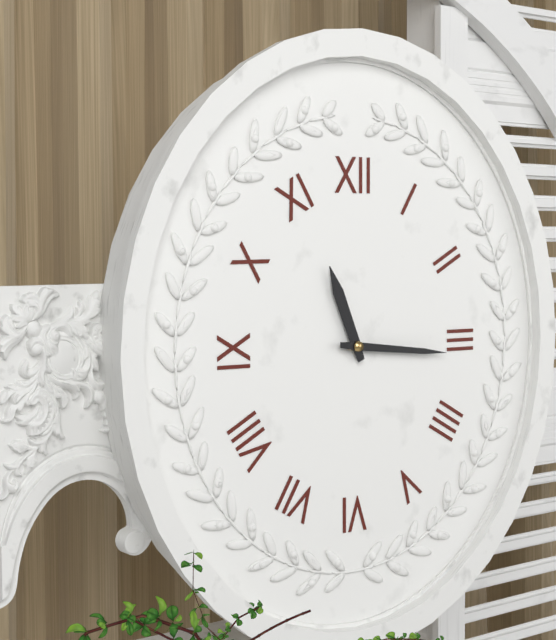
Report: 11:16
